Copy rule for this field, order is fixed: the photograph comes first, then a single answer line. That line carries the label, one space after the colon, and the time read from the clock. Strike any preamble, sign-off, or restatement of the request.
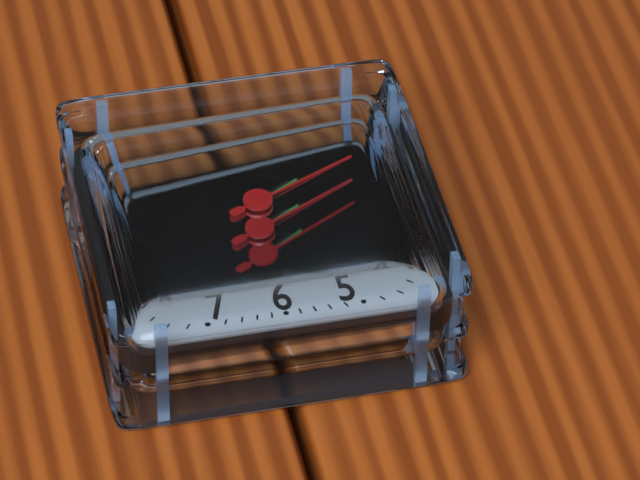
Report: 4:10:11
